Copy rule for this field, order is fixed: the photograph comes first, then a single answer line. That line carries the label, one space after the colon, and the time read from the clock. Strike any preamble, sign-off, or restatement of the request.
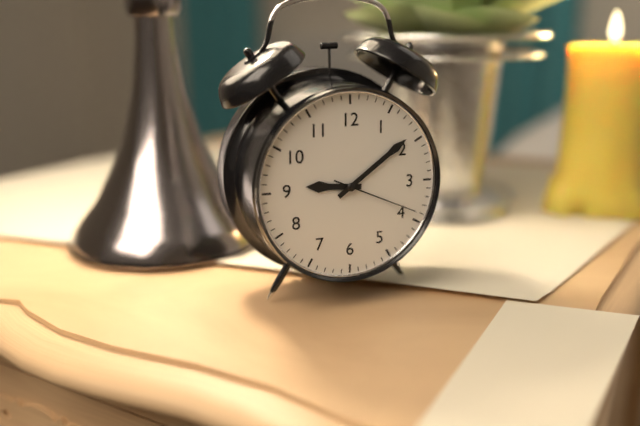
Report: 9:09:19
